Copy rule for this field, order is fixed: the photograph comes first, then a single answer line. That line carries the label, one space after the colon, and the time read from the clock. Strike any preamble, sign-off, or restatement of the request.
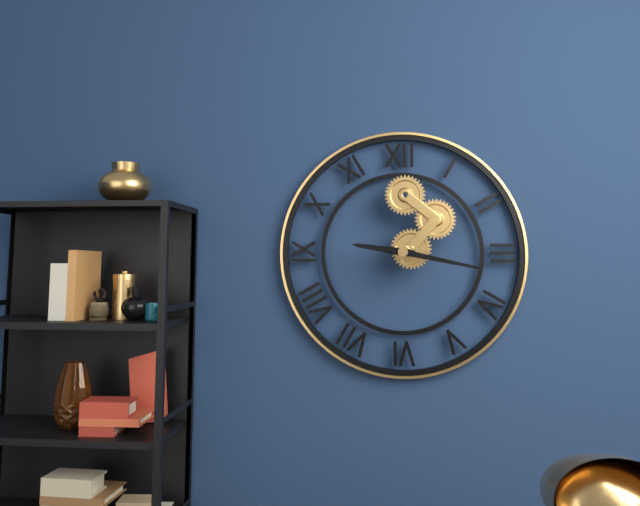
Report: 9:17
